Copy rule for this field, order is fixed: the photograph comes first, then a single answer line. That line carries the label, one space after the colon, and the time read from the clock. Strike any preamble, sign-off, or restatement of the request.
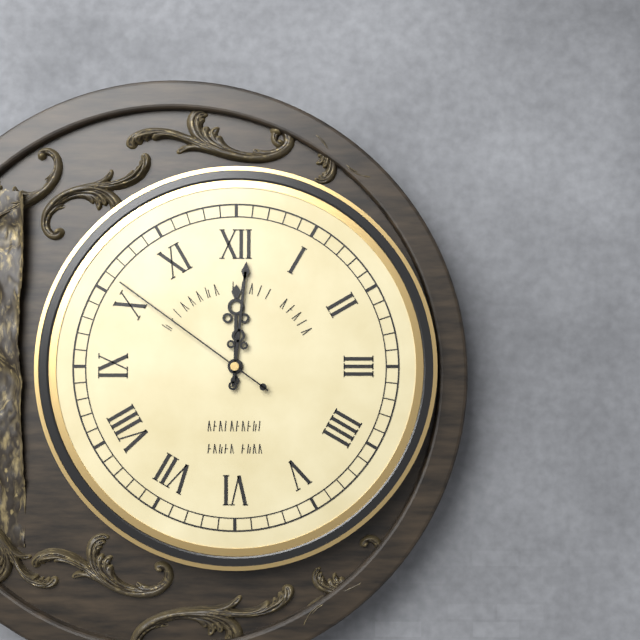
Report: 12:01:51
